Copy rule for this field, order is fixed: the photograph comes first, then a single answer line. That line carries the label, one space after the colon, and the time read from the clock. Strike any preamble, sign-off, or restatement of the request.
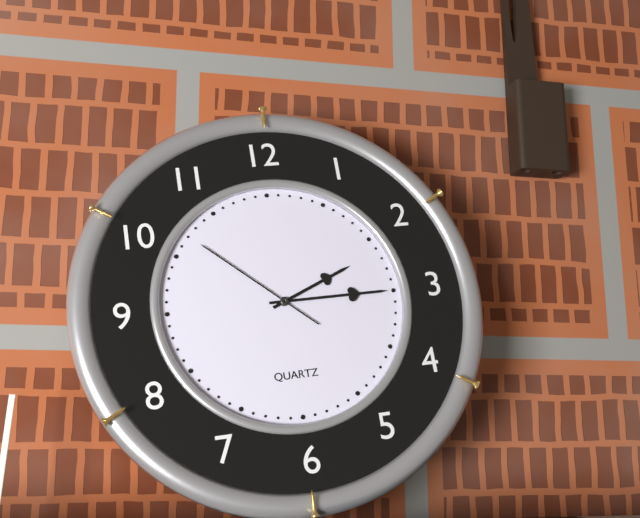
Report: 2:15:52
